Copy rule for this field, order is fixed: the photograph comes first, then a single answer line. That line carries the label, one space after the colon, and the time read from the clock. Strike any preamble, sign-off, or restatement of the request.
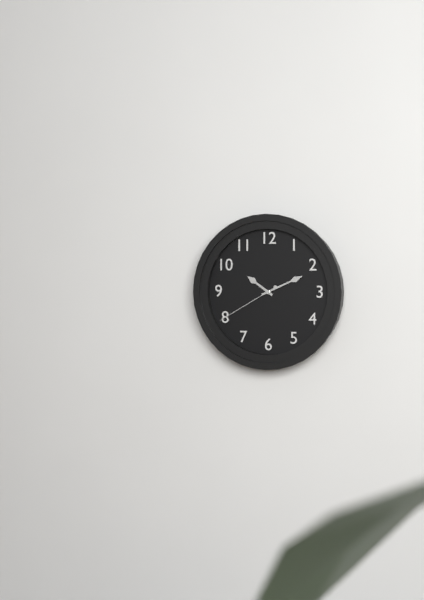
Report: 10:11:40
